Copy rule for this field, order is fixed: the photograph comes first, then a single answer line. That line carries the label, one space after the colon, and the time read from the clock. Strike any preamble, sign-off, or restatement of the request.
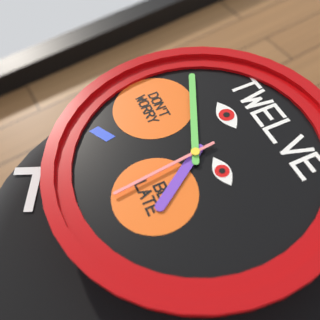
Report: 4:49:29
